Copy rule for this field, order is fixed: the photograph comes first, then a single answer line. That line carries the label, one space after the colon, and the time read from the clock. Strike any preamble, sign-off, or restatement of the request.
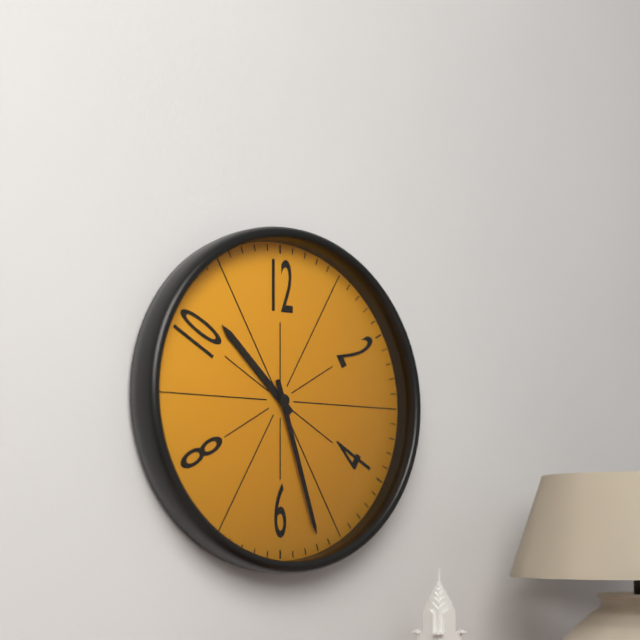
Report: 10:27
